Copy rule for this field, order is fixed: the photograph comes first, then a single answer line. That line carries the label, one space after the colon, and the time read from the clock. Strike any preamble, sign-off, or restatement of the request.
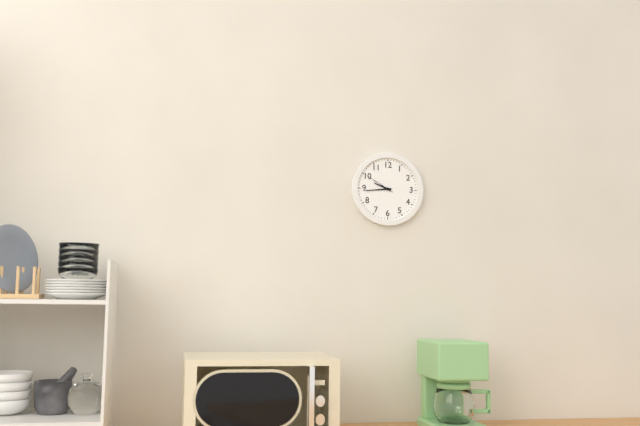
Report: 9:44
